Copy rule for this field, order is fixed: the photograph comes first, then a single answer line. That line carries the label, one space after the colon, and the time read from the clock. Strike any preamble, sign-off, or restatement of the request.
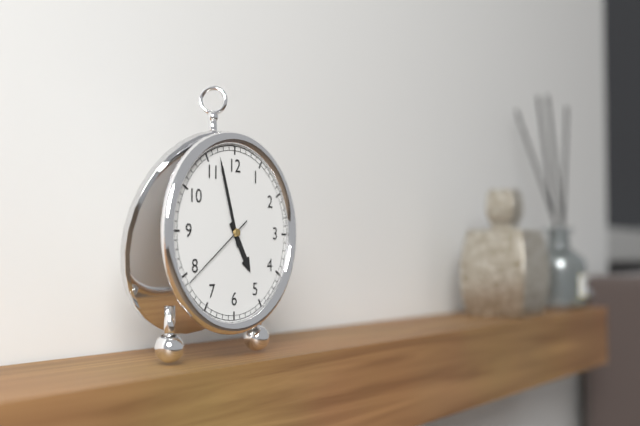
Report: 4:57:39
